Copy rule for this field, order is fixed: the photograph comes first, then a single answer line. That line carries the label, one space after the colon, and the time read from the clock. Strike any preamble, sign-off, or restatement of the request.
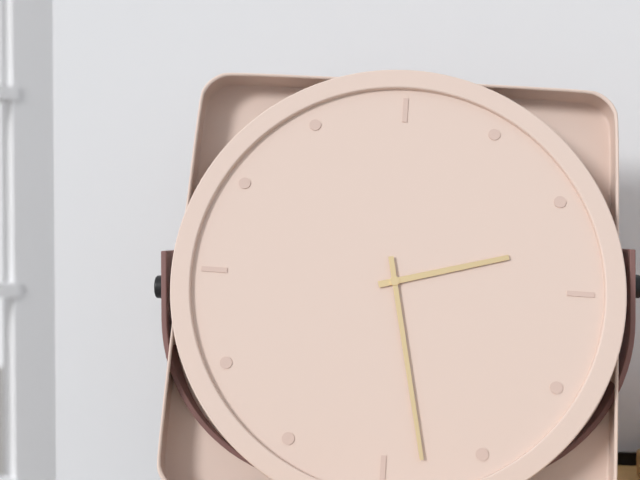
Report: 2:28
